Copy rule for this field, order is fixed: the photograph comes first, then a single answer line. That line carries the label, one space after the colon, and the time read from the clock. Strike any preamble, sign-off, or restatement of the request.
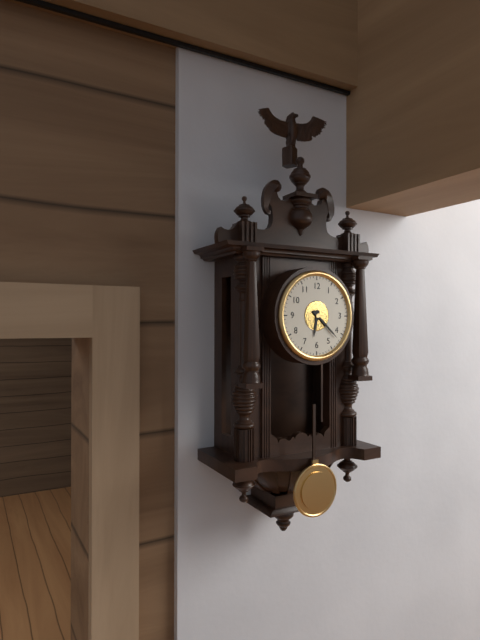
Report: 6:22
